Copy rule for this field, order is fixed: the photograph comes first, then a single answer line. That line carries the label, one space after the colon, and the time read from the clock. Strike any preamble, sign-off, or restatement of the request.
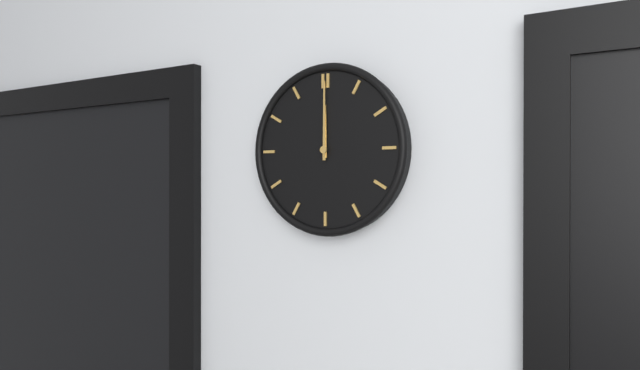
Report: 12:00
